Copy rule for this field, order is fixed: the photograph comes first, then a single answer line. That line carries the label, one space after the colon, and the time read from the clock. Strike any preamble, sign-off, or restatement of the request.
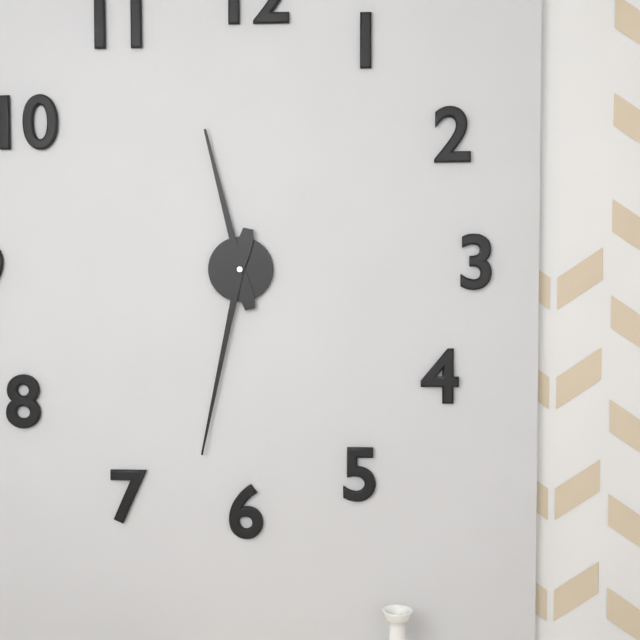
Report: 11:32
